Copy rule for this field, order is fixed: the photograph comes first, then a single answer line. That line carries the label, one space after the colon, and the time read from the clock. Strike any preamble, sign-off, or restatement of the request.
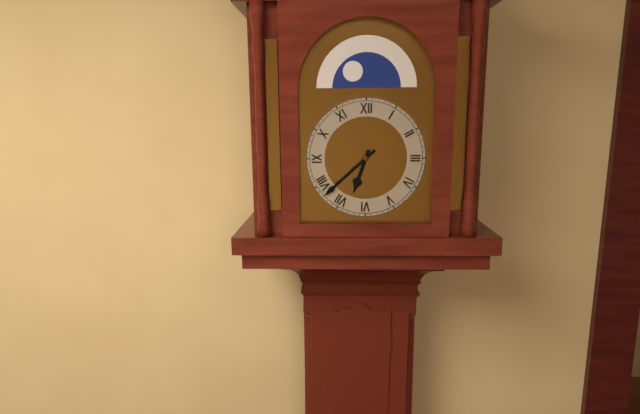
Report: 6:38
